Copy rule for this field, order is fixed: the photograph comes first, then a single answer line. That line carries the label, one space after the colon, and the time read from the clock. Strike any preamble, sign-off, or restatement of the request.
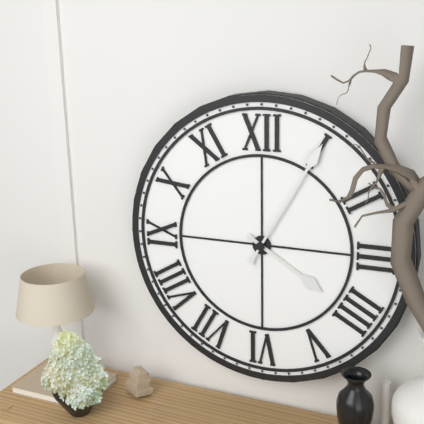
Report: 4:05
